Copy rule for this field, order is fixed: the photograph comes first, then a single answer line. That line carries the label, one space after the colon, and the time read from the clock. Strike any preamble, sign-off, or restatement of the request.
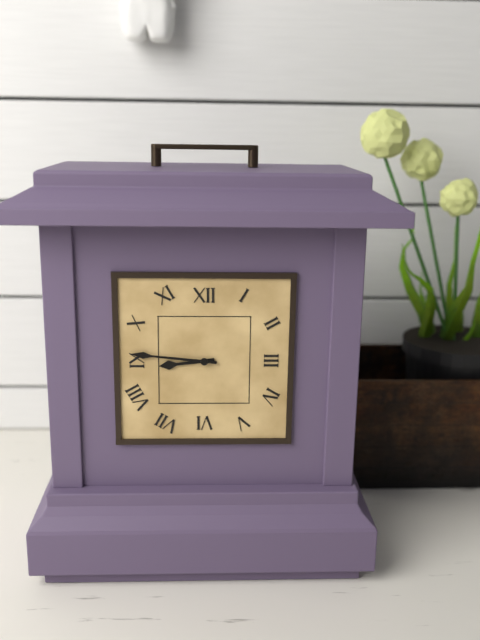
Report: 8:46
